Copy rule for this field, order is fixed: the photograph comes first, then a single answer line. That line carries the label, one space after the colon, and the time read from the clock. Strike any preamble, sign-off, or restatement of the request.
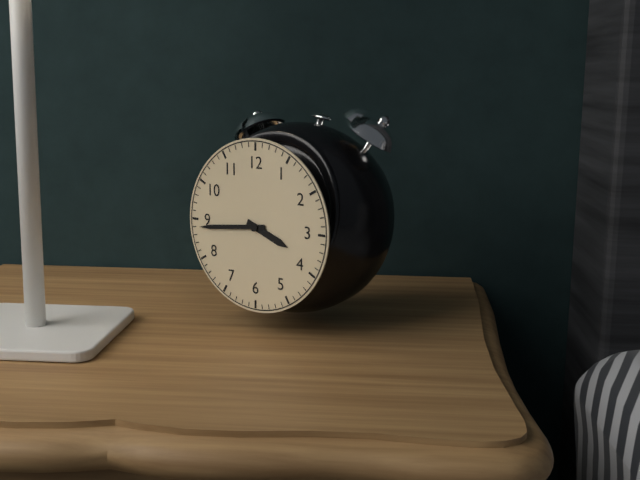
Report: 3:44
